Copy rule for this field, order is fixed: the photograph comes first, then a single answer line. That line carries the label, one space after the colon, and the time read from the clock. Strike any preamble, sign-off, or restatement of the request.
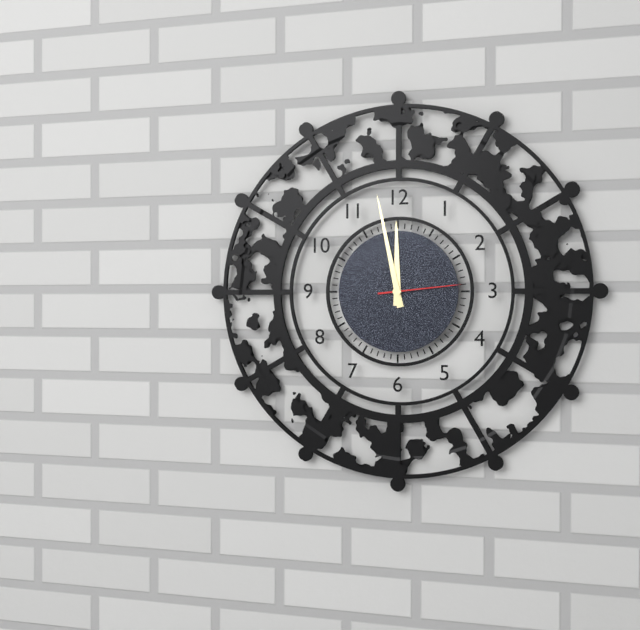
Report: 11:58:14
